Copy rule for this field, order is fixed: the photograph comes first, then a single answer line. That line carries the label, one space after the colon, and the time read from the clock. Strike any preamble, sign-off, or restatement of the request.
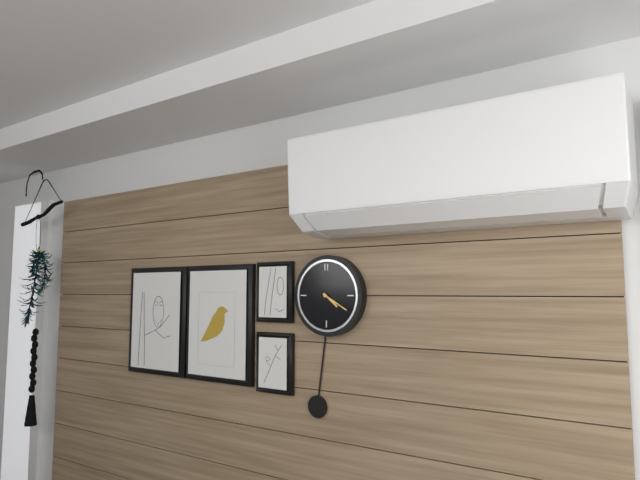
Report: 4:20
